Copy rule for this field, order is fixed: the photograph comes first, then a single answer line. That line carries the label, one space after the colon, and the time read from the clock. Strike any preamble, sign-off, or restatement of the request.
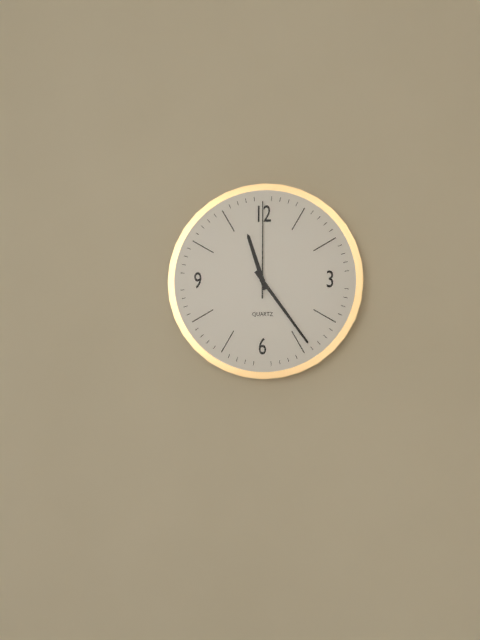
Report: 11:24:00
